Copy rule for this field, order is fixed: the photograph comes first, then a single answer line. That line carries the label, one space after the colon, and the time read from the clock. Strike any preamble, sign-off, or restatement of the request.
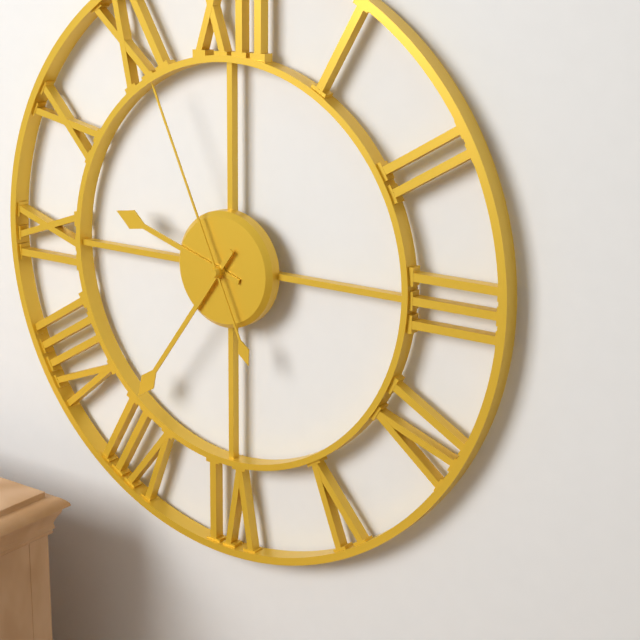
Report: 9:36:56
